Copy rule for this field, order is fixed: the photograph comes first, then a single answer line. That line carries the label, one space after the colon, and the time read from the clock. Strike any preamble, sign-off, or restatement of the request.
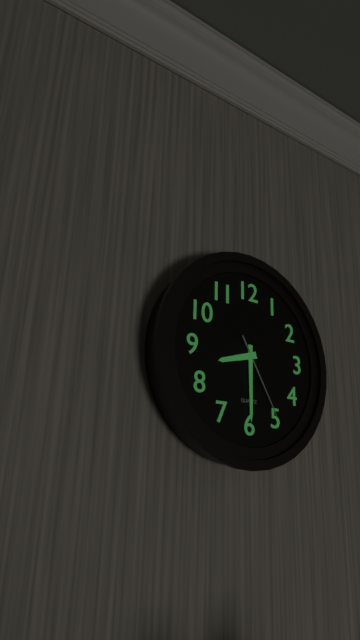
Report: 8:30:25
